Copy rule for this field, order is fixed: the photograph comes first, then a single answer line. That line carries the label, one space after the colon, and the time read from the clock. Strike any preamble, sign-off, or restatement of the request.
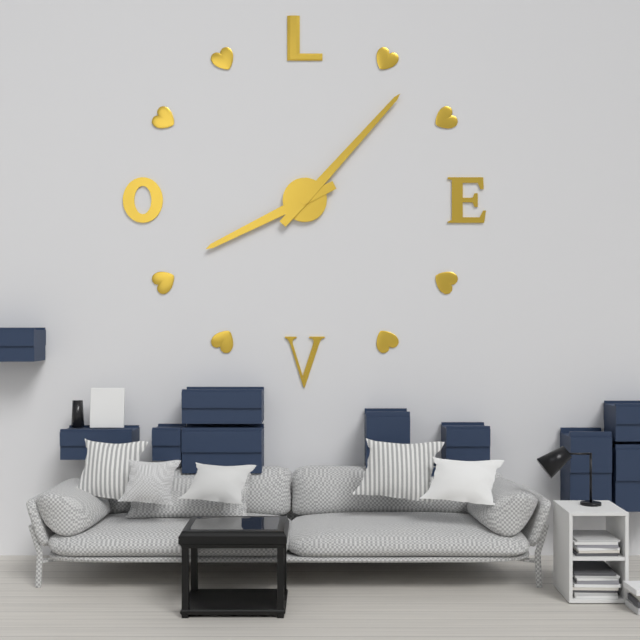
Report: 8:07
